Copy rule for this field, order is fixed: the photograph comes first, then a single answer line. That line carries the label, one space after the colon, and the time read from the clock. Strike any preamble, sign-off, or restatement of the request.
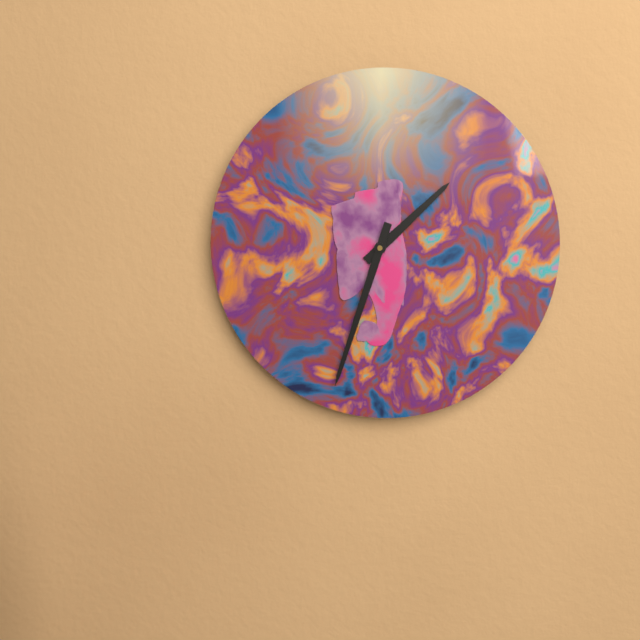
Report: 1:33
